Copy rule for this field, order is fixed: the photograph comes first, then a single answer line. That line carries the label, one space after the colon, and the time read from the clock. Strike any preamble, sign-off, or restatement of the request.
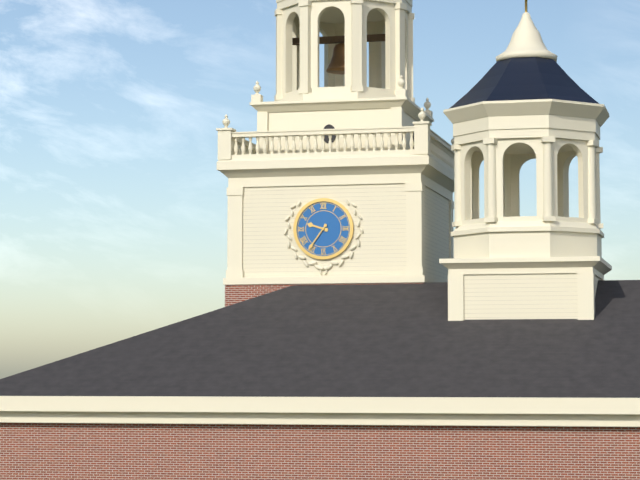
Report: 9:36
